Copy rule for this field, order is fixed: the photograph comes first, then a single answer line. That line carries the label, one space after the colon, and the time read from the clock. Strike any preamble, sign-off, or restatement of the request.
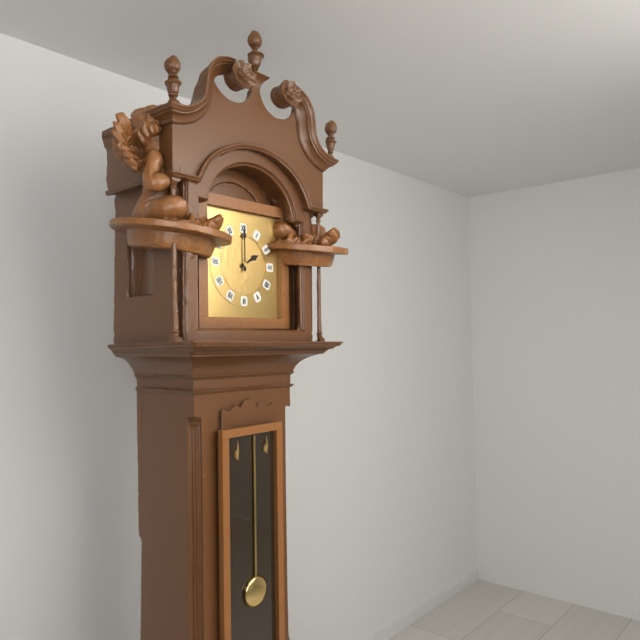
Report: 2:00
